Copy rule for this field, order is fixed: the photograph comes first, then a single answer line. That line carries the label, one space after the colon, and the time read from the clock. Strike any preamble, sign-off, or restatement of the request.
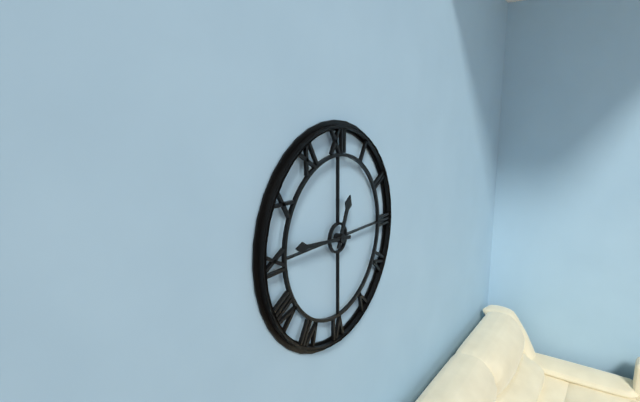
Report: 12:46
